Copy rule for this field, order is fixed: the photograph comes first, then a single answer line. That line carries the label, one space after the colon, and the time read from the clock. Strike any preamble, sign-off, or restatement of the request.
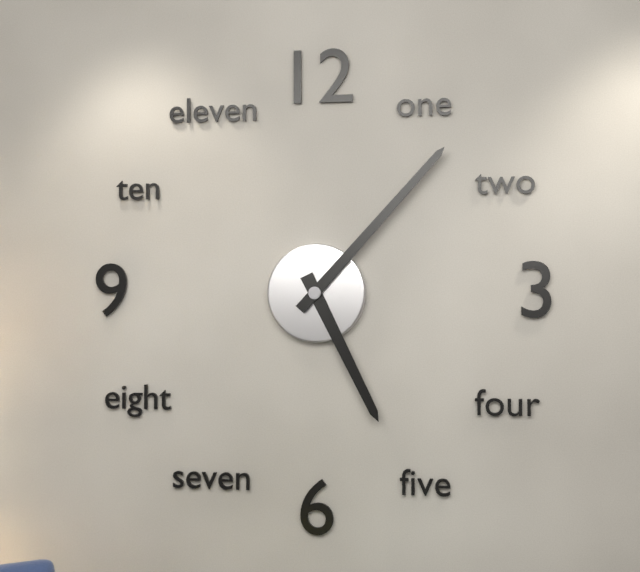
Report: 5:07
